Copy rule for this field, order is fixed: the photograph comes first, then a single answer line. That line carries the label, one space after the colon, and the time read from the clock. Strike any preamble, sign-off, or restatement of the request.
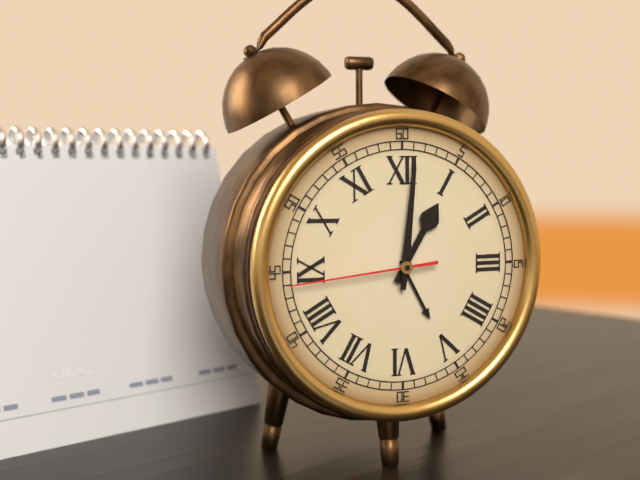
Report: 1:01:44
